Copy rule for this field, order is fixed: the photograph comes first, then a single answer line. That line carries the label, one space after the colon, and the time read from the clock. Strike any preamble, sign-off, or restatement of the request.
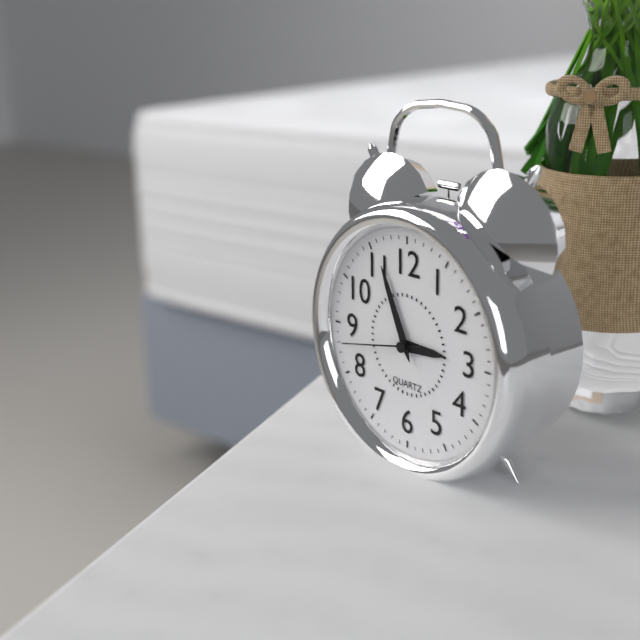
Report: 2:56:43
